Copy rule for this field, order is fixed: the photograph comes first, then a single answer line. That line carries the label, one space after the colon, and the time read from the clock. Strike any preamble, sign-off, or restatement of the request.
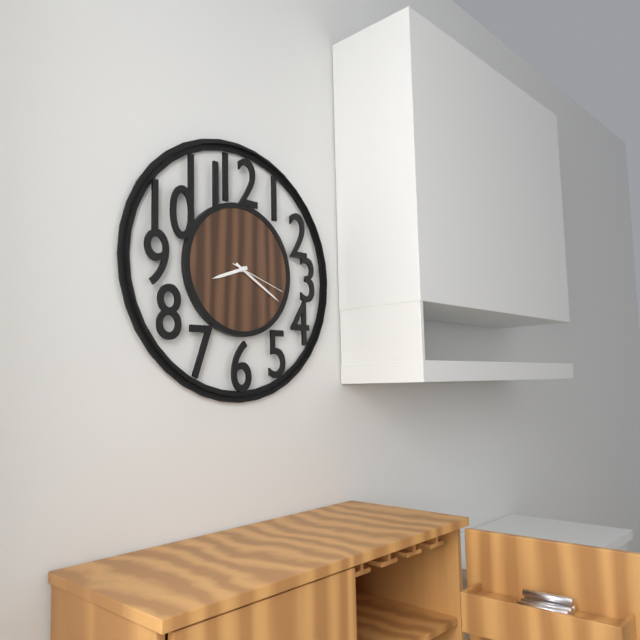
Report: 8:20:18
